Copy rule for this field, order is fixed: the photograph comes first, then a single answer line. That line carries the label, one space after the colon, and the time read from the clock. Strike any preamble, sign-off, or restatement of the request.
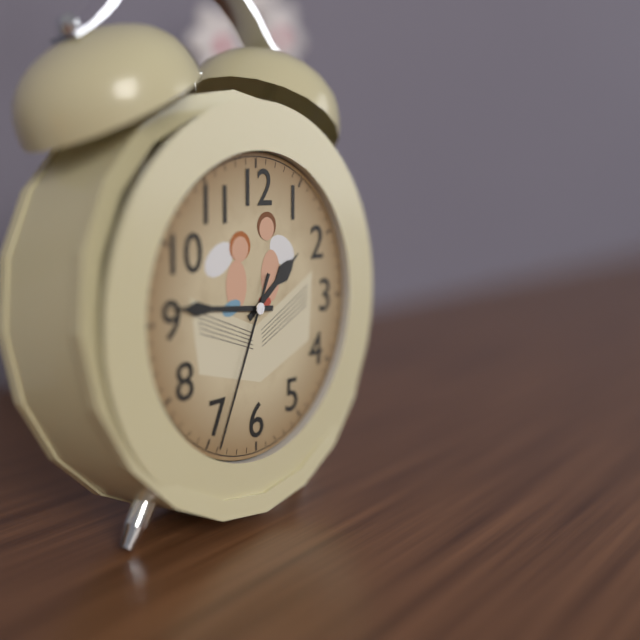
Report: 1:46:34
